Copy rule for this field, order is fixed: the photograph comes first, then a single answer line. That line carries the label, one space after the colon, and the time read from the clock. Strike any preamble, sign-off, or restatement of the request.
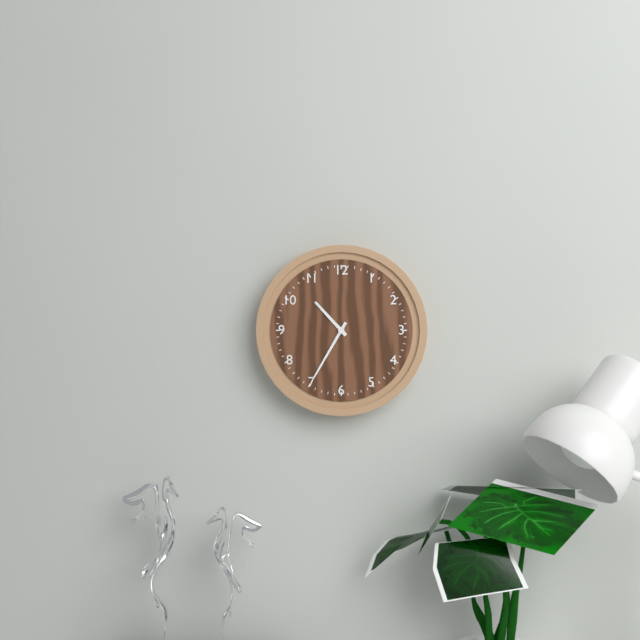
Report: 10:35
